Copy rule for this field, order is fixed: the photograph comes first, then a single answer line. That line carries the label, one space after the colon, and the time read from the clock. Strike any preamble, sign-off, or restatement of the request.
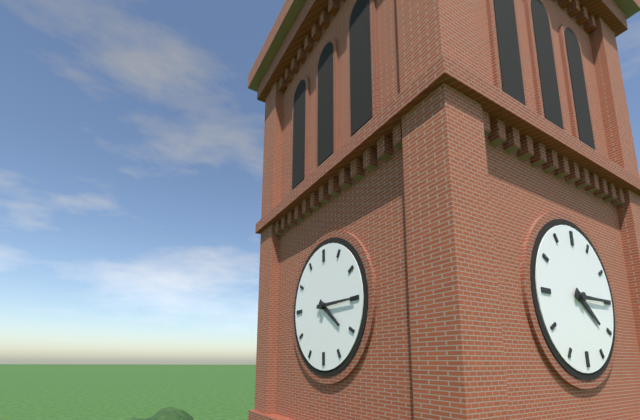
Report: 4:15
